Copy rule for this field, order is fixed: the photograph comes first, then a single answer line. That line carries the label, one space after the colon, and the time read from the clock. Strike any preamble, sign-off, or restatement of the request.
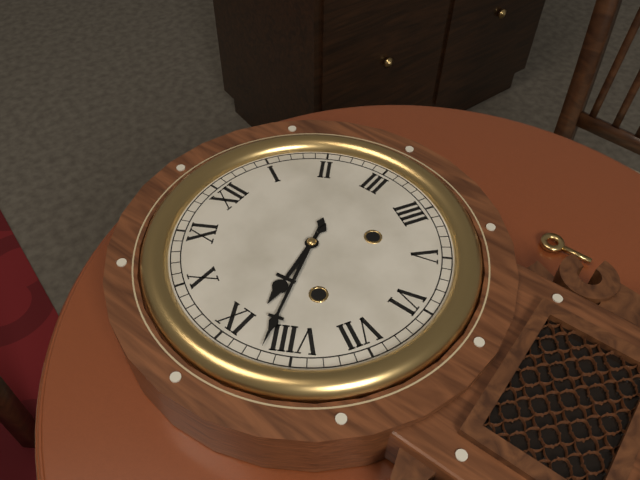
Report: 8:42
